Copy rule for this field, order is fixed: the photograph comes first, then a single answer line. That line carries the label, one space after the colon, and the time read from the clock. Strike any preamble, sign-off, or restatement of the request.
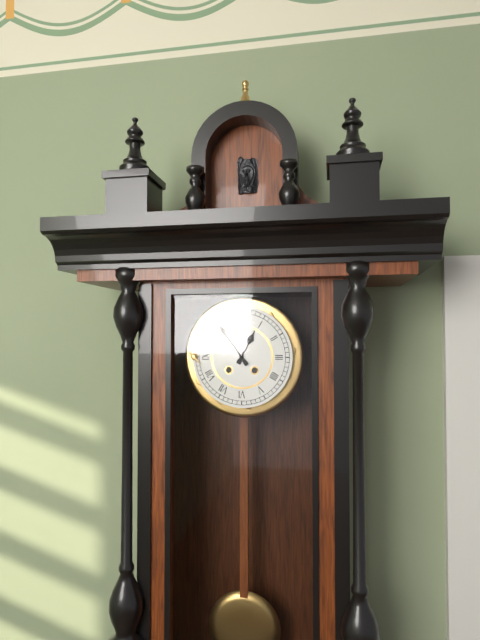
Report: 12:54
